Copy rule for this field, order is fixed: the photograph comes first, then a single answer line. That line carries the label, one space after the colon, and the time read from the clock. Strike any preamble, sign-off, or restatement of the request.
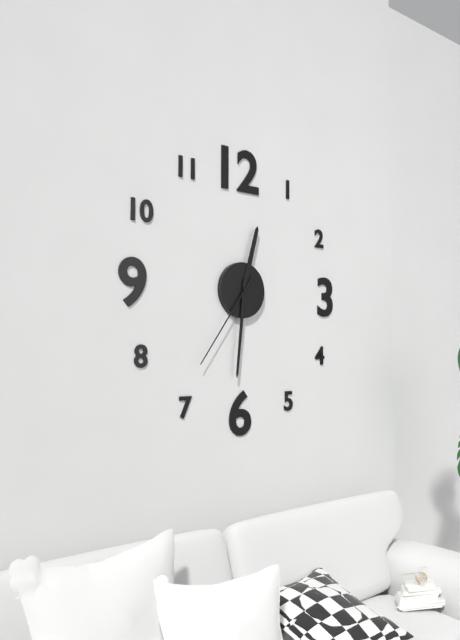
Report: 12:31:36
